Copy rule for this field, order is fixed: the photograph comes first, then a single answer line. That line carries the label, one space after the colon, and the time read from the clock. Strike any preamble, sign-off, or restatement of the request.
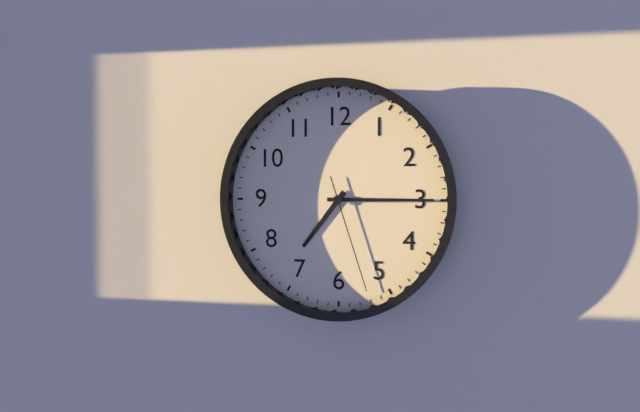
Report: 7:15:27
